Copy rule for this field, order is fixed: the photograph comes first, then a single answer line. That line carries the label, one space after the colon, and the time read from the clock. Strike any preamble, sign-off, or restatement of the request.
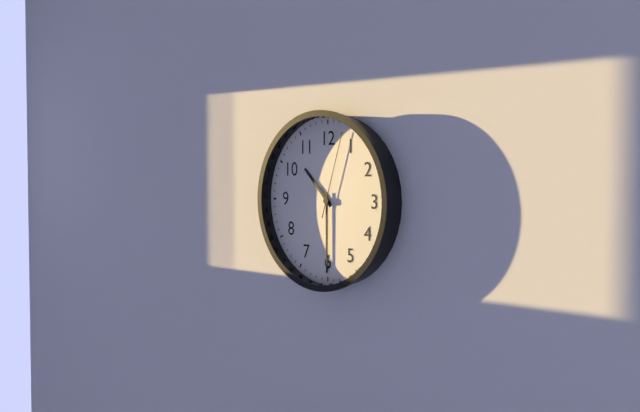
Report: 10:30:03
